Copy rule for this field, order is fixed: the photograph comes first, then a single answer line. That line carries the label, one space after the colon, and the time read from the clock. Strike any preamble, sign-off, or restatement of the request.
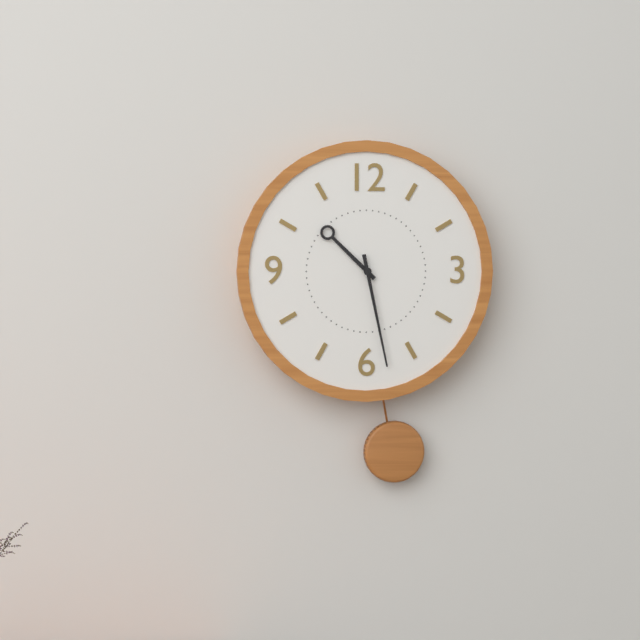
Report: 10:28
